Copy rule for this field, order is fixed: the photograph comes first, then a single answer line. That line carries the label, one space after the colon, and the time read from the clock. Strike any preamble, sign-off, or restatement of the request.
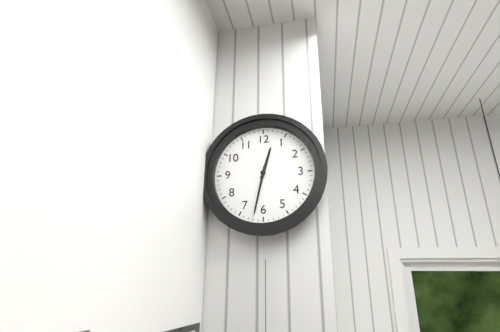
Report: 12:32
